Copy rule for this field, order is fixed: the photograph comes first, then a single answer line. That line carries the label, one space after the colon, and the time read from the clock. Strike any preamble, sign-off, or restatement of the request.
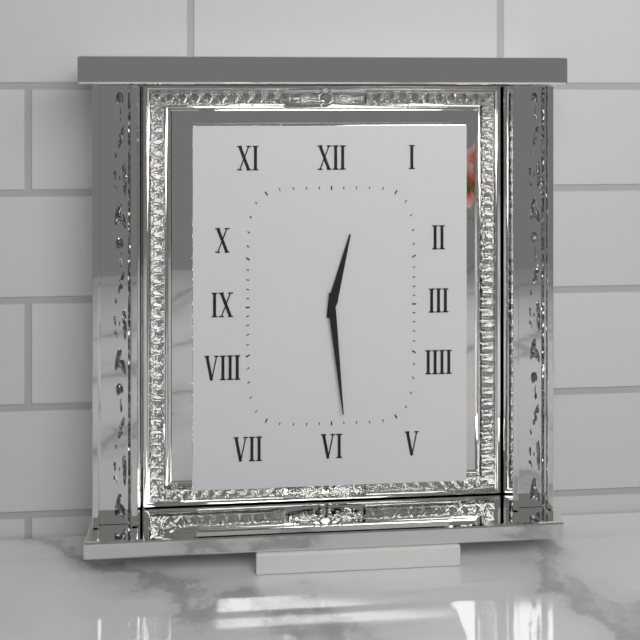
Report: 12:29
